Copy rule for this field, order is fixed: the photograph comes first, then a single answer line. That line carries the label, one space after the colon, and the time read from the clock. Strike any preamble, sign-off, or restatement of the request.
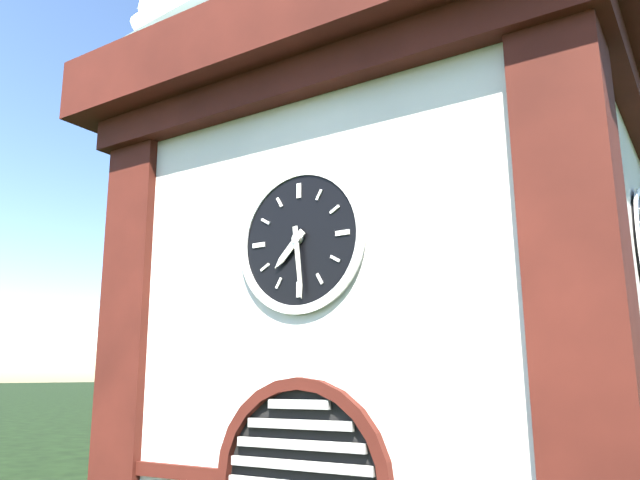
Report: 7:29
